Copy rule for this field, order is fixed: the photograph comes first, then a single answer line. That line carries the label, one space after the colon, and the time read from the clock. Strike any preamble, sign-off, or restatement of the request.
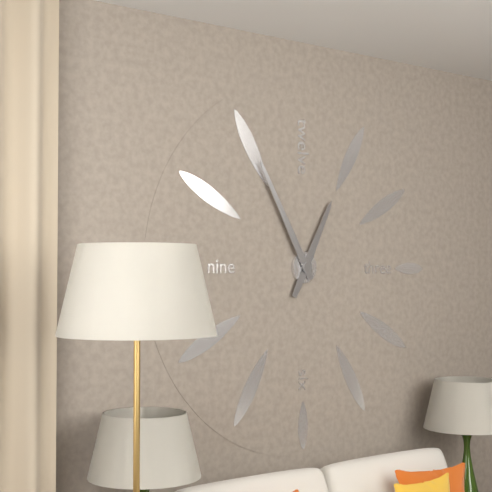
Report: 12:55
